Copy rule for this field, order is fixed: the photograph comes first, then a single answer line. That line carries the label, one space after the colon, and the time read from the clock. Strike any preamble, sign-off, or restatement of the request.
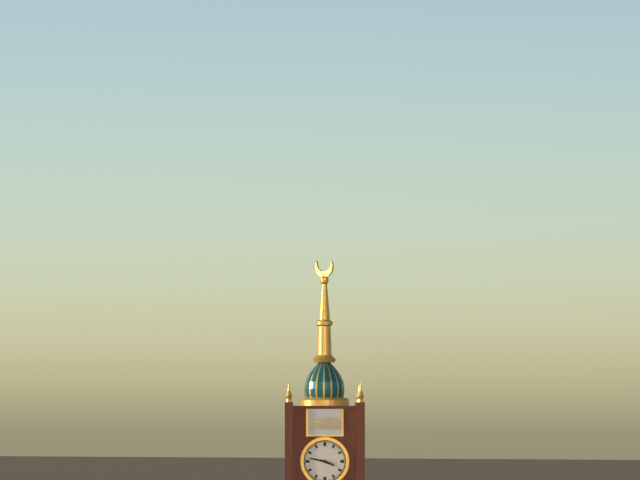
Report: 3:47
